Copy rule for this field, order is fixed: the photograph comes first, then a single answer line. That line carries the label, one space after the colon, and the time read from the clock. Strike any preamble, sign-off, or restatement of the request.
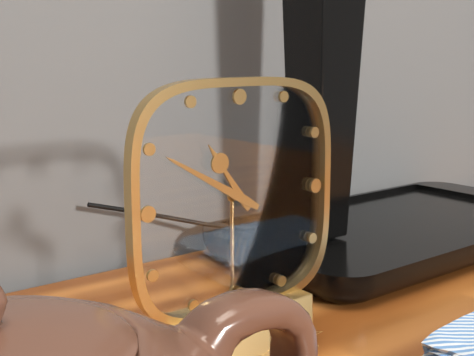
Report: 10:50
